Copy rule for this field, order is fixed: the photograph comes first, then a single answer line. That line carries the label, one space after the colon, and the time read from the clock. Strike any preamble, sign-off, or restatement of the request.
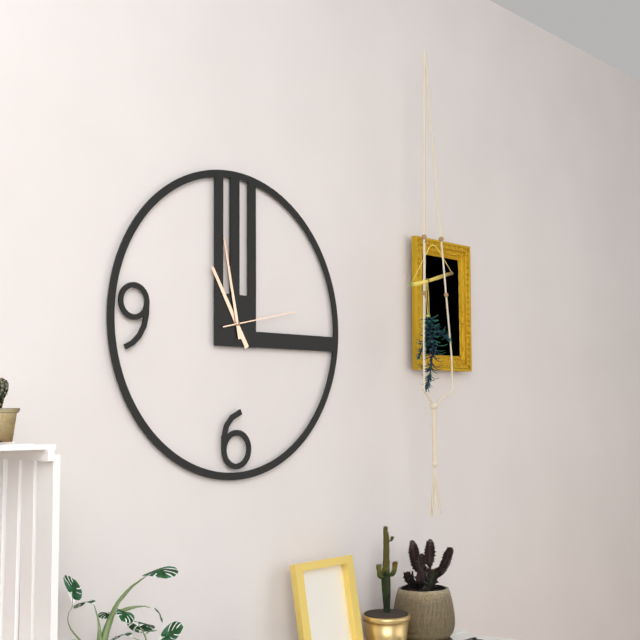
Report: 10:58:13
